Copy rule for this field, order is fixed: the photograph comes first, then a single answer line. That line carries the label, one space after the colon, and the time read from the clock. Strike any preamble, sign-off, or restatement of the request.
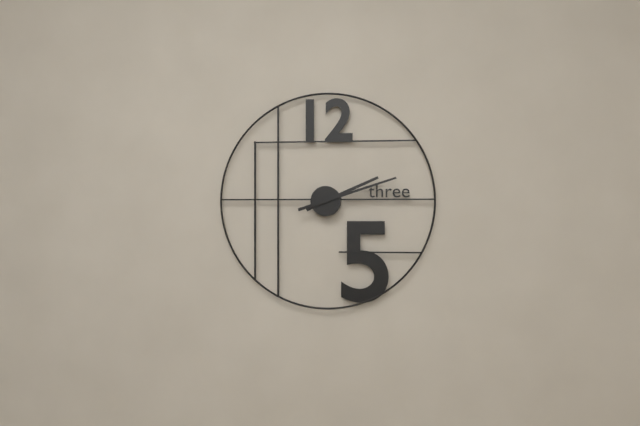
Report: 2:12
